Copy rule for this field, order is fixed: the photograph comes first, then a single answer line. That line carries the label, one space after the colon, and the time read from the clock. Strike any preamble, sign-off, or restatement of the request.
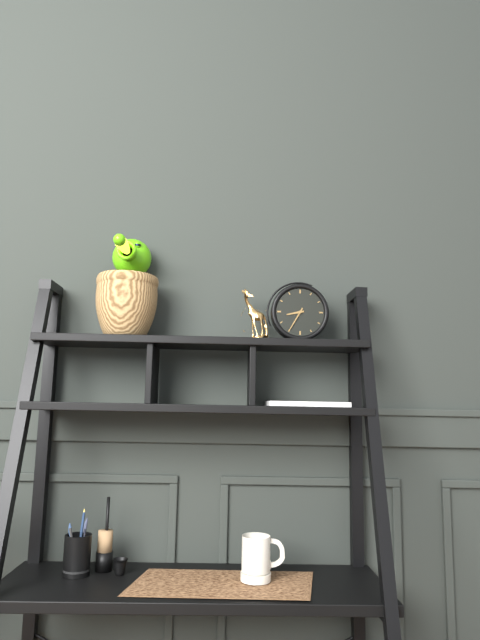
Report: 8:35
